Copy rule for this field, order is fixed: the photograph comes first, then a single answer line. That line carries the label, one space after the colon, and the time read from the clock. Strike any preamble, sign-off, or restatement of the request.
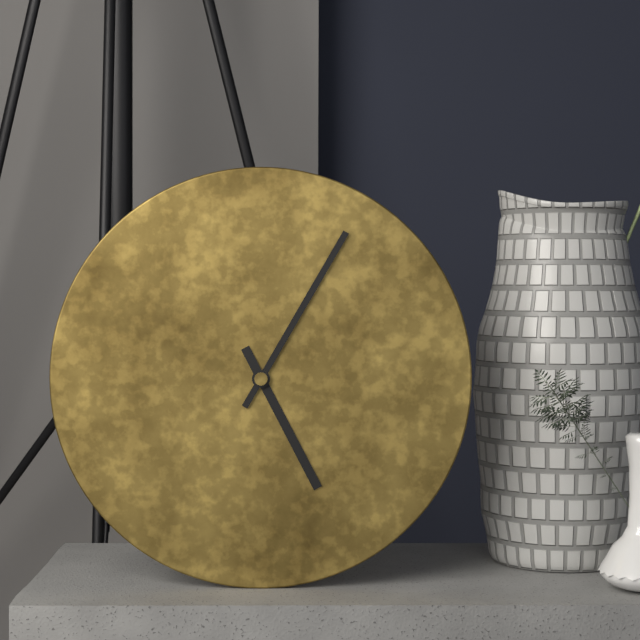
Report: 5:05
